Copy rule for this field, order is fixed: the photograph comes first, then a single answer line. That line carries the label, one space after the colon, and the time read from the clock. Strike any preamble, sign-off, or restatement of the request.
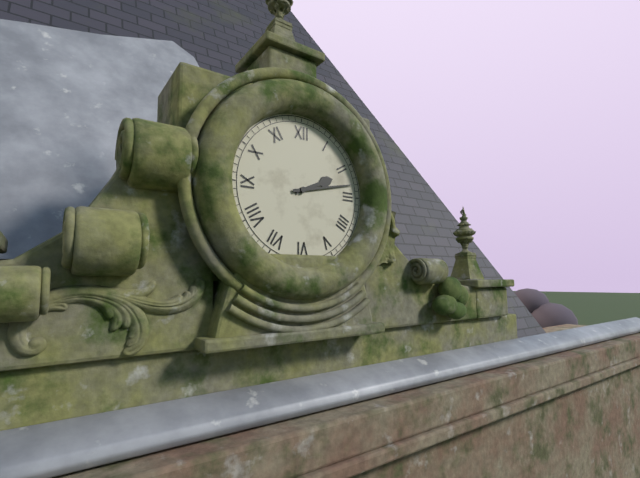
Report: 2:13
